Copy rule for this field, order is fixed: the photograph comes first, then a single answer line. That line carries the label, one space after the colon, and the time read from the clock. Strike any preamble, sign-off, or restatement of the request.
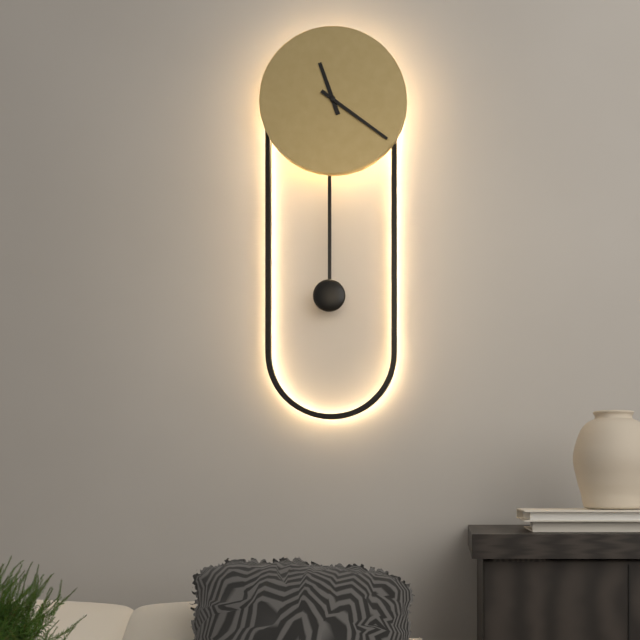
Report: 11:21
